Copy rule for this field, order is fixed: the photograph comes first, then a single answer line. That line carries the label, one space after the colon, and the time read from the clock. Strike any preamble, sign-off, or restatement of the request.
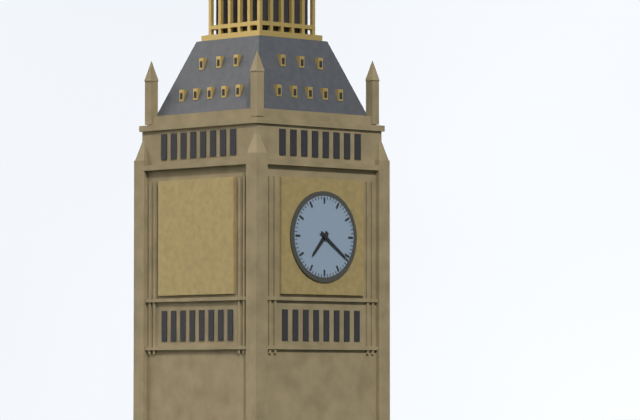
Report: 7:21
